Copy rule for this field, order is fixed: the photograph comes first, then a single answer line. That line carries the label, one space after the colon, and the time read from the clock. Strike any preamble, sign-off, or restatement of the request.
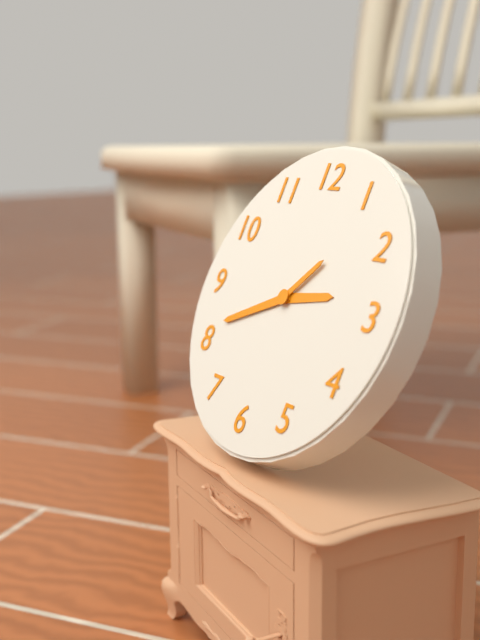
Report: 2:41:07
